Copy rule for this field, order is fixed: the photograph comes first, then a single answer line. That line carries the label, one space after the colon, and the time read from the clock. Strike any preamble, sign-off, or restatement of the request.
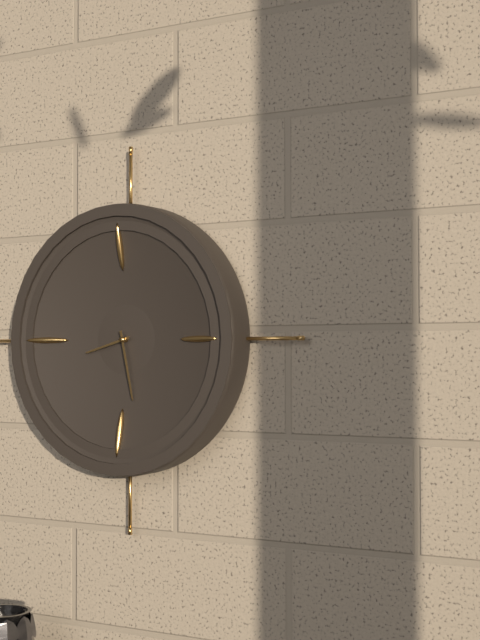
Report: 8:28
